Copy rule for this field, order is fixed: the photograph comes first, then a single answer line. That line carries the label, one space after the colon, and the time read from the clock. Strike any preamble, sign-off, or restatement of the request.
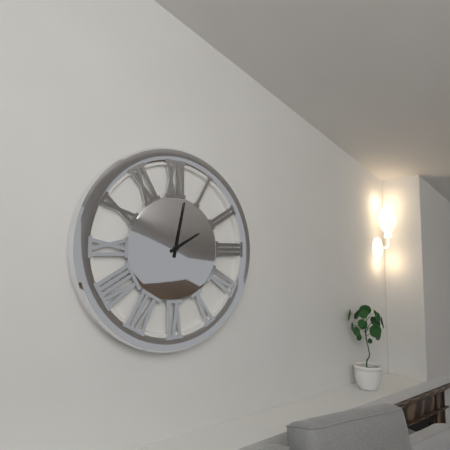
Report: 2:02
